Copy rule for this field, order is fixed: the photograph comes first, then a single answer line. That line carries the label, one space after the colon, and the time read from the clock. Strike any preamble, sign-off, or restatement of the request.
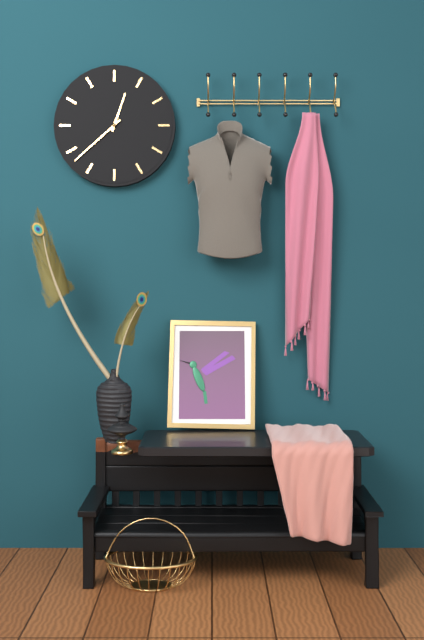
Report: 12:38
